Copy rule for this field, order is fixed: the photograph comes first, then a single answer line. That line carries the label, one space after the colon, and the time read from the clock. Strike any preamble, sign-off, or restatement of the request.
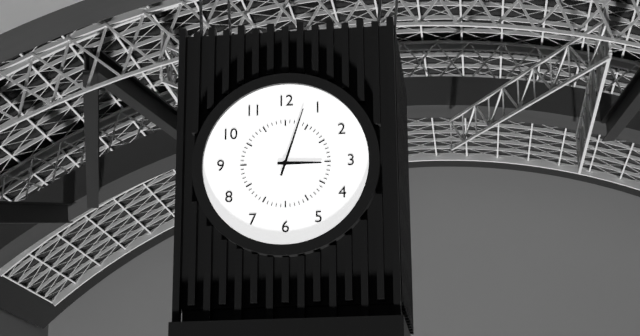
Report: 3:03
